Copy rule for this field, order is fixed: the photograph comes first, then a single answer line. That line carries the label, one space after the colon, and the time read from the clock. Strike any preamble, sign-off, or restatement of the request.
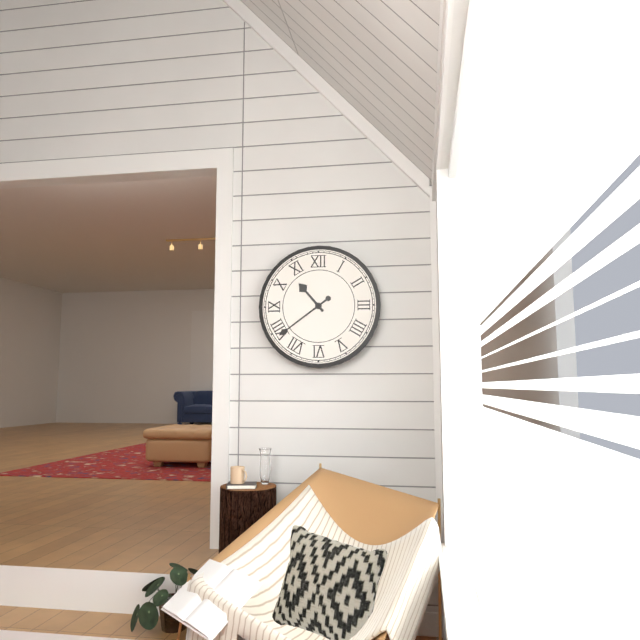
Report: 10:39
